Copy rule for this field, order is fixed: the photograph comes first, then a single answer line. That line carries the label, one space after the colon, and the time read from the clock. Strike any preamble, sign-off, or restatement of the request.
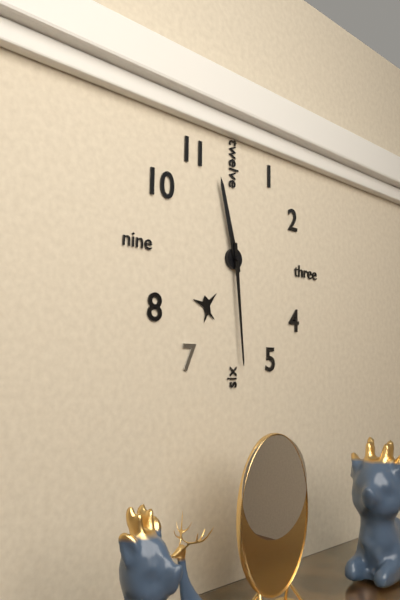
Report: 11:29
